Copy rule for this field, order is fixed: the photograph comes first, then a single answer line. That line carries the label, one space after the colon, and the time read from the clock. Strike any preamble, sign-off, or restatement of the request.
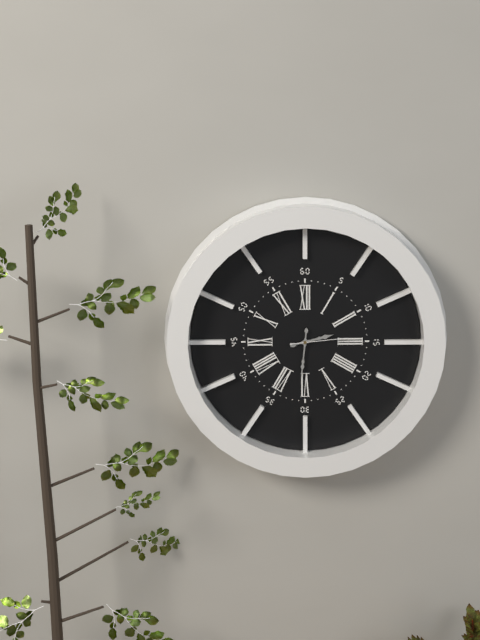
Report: 2:31:14
